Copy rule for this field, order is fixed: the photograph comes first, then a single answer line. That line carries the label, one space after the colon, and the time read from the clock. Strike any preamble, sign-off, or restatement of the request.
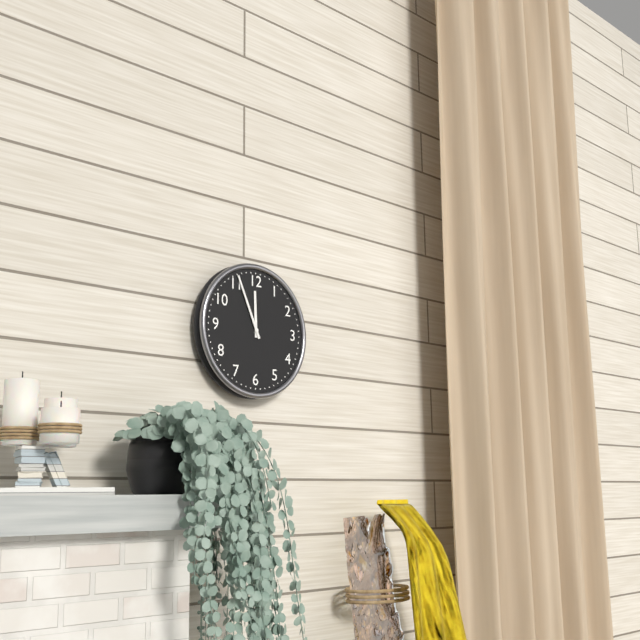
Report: 11:56
